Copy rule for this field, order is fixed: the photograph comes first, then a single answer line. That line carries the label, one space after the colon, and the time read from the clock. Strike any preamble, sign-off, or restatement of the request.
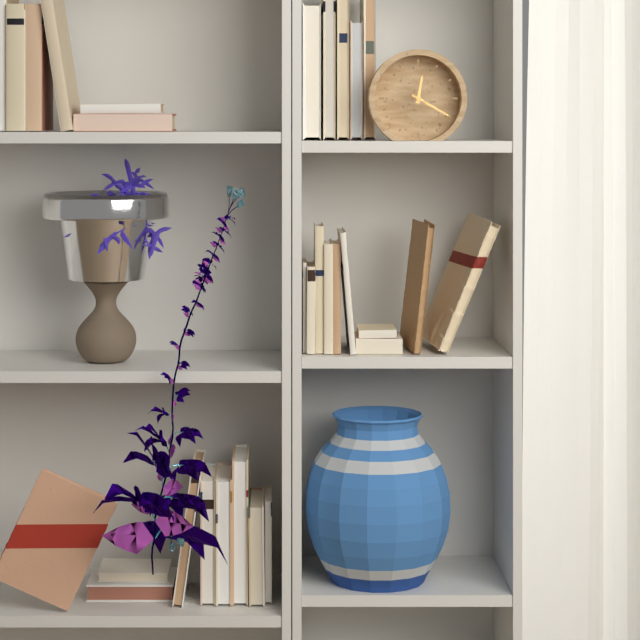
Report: 12:20
